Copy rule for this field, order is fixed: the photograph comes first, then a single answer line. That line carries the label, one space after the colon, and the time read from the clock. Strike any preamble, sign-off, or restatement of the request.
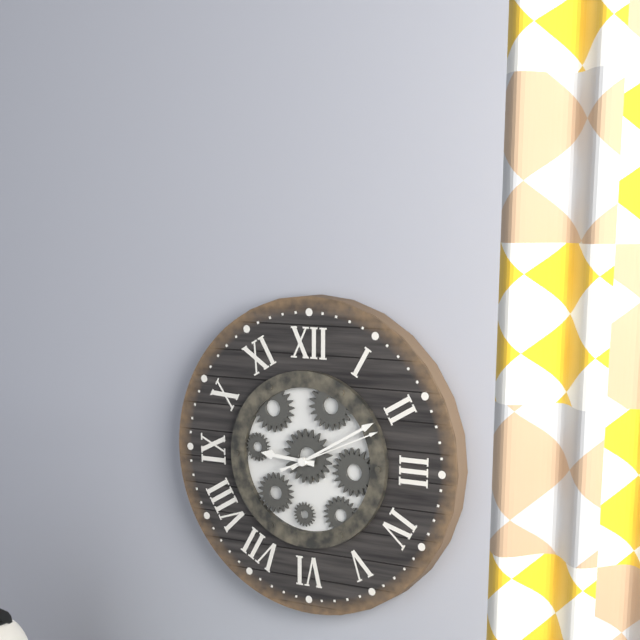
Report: 9:10:11
